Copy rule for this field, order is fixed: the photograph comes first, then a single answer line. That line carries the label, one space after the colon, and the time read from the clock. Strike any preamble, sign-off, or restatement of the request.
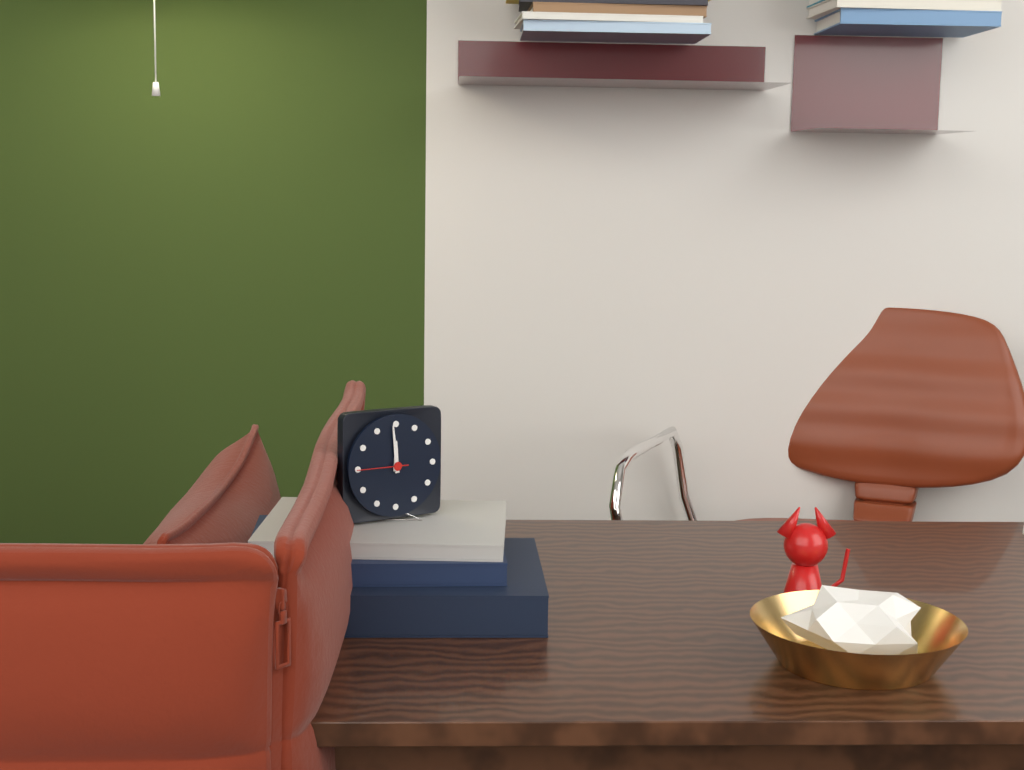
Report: 11:59:45
